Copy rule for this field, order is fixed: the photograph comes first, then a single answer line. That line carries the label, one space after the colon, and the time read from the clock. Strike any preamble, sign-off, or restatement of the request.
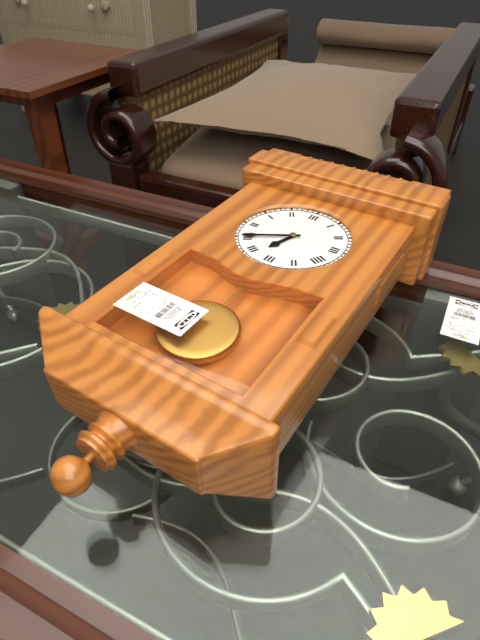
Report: 6:40
